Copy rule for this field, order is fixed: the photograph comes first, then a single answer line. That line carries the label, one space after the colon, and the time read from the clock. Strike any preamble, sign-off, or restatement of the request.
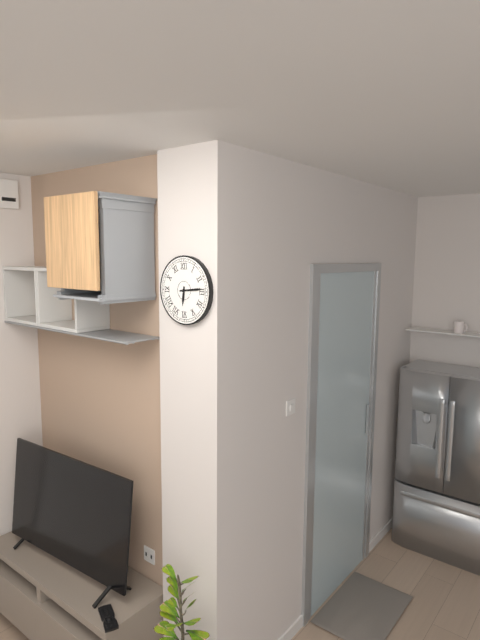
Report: 6:14
